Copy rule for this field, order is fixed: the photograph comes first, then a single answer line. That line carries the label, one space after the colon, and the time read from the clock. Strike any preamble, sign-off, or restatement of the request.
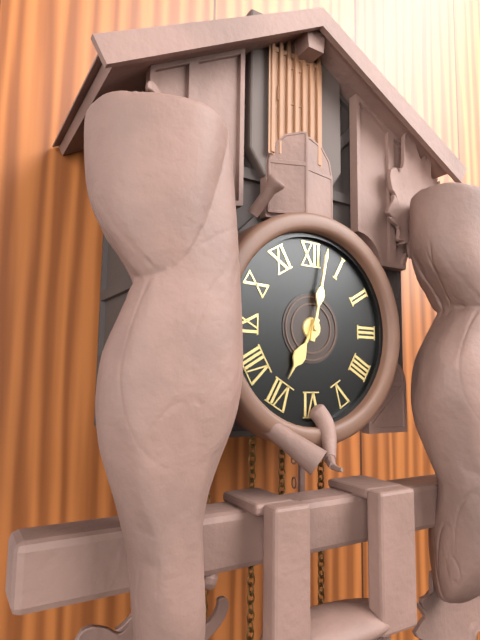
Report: 7:02
